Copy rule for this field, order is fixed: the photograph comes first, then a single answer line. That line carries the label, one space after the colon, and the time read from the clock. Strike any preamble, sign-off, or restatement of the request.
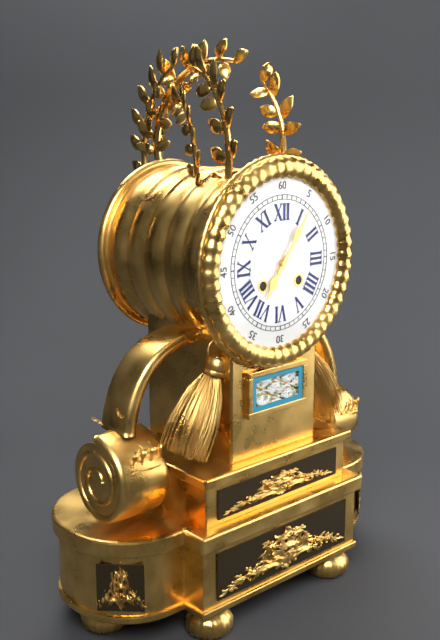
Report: 7:06
